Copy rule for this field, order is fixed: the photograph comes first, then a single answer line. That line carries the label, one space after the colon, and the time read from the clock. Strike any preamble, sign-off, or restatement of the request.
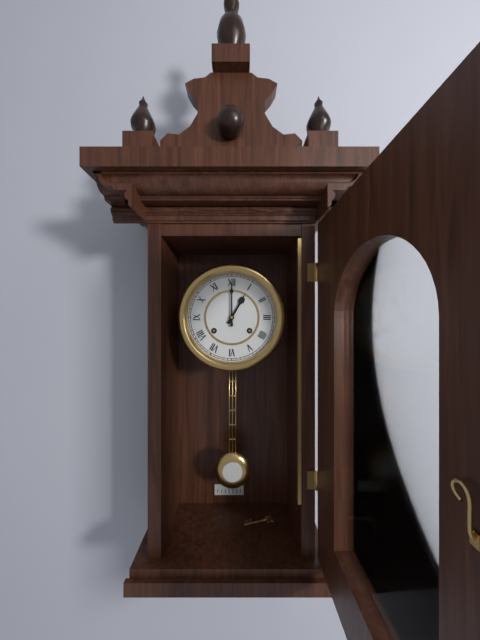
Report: 1:00
